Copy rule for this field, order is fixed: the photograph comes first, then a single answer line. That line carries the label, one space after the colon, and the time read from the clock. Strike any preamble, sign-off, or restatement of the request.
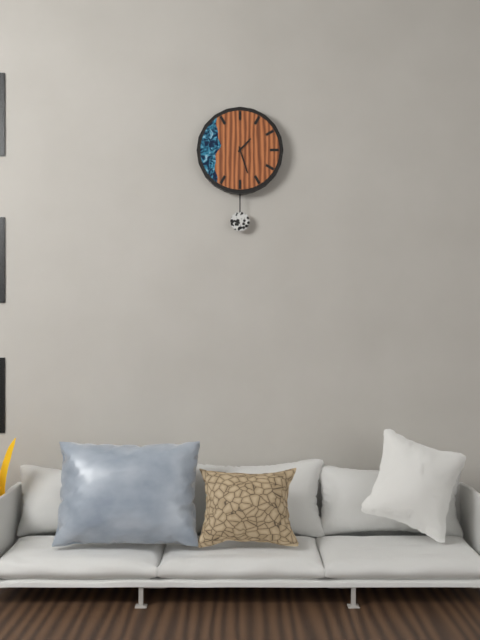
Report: 1:27
